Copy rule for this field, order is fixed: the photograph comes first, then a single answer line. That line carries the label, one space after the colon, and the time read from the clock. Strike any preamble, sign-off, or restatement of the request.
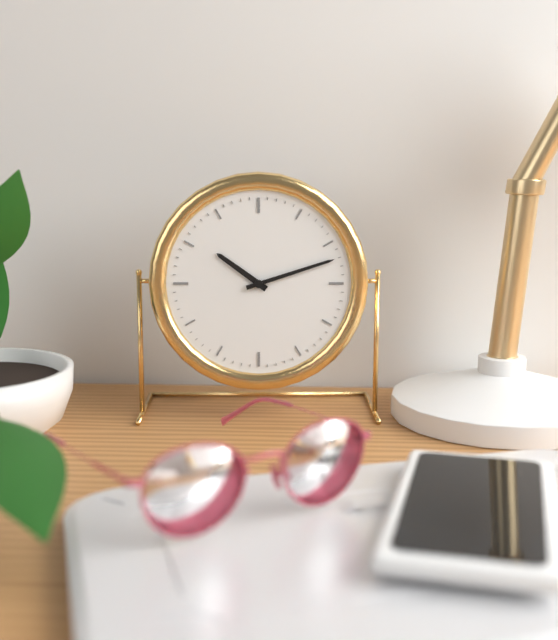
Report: 10:12
